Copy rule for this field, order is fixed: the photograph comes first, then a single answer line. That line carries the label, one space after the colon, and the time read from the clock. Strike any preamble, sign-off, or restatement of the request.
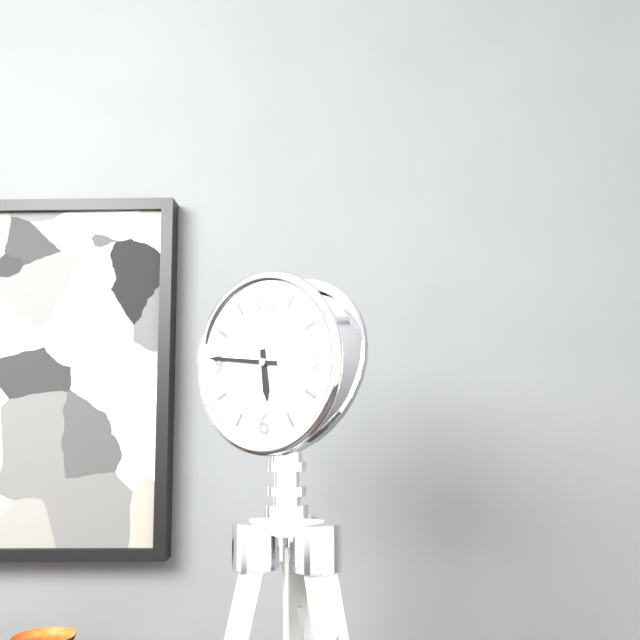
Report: 5:46
